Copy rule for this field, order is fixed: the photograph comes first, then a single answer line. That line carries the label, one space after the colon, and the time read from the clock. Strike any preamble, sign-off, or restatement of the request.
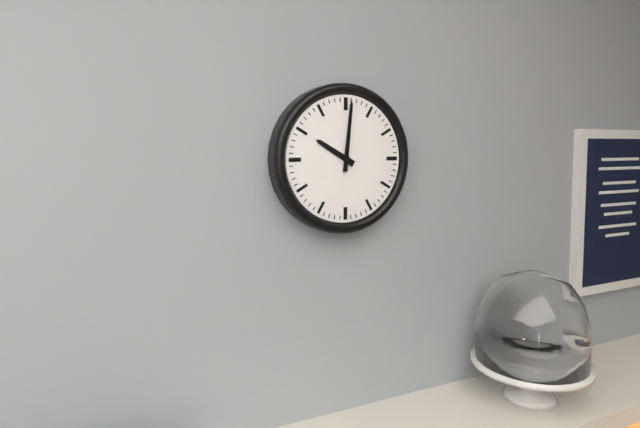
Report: 10:01
